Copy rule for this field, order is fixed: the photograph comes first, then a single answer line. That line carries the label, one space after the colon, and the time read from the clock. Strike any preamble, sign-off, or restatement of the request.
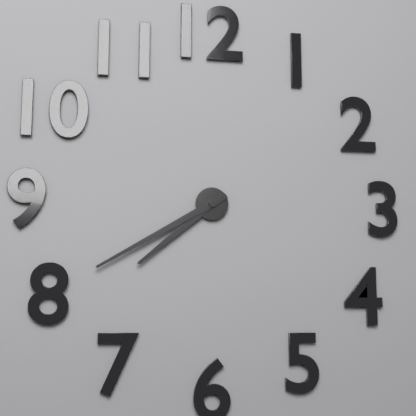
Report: 7:40
